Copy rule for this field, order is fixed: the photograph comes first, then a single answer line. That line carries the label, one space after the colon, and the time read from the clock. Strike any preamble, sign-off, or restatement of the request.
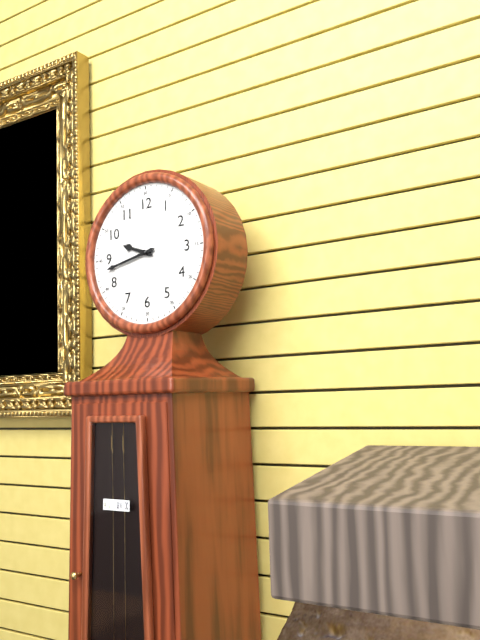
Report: 9:43
